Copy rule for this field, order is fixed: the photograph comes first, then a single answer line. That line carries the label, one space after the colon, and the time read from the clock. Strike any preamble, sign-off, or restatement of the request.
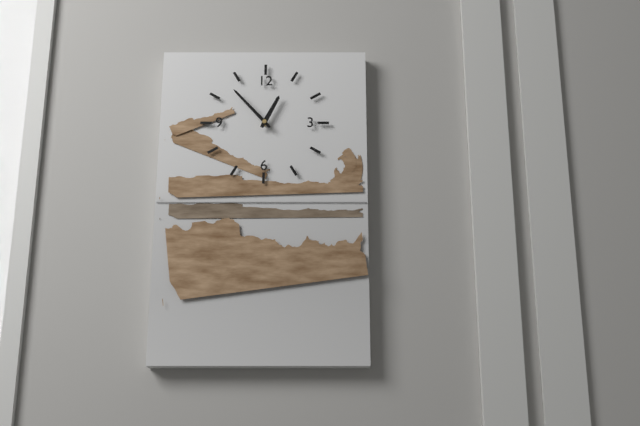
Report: 12:53
